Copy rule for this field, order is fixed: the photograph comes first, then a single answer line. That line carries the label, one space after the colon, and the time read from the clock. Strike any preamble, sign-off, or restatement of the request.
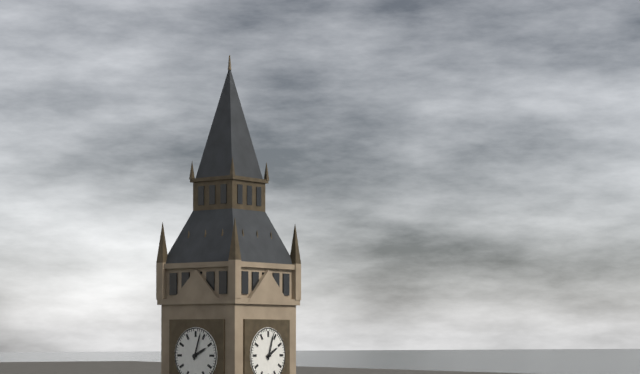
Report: 2:03
